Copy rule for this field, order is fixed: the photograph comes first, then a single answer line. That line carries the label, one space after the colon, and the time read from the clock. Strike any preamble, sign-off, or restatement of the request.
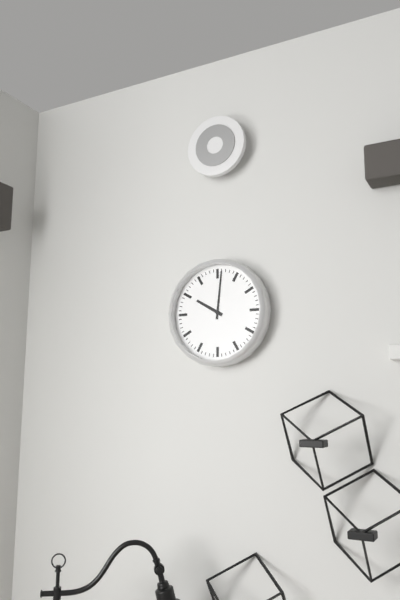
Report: 10:01
